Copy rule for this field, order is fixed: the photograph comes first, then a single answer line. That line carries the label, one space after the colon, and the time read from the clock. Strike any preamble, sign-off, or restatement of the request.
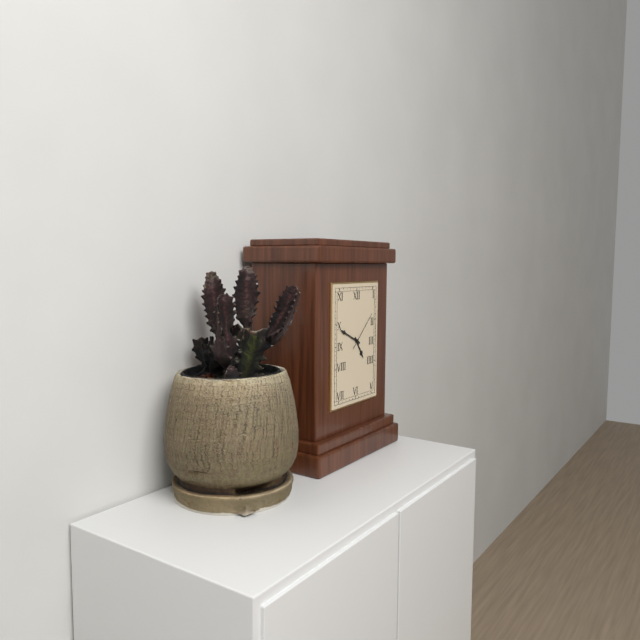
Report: 4:49:08
